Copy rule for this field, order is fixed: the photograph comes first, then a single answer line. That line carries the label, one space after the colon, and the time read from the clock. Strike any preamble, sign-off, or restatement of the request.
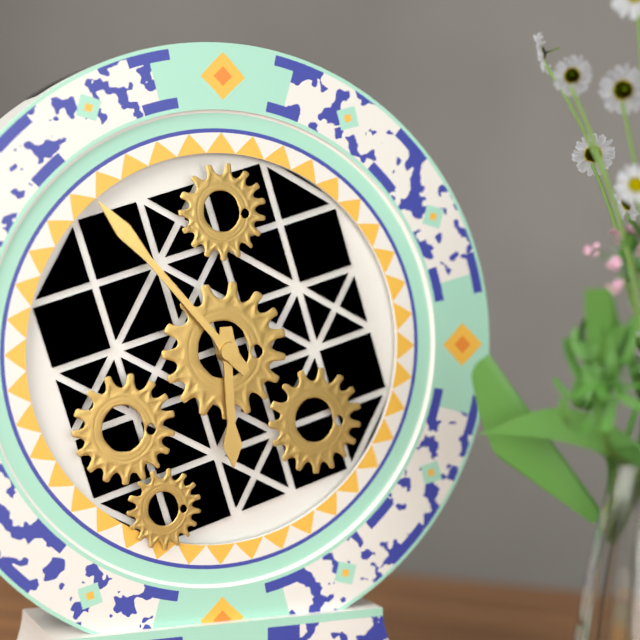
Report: 5:53
